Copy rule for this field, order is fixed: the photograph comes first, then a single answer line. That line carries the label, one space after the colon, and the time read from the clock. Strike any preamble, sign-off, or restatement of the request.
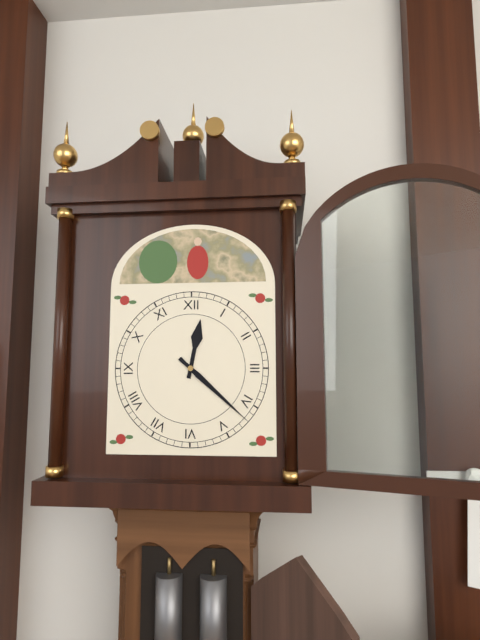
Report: 12:22
